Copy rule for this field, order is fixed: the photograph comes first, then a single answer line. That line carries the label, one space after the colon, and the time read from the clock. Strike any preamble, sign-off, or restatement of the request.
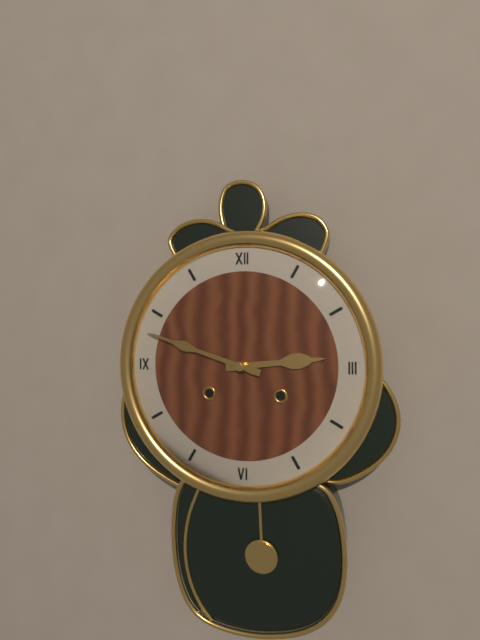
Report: 2:48
